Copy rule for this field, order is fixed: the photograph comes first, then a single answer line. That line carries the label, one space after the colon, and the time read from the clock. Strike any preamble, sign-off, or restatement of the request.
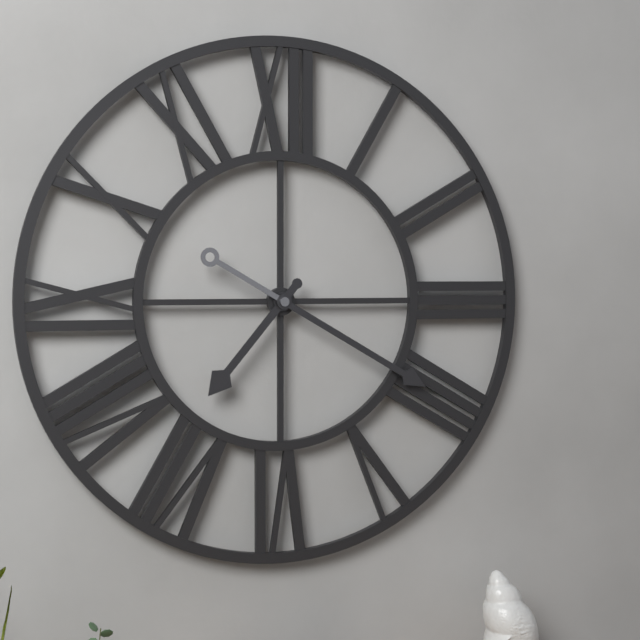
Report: 7:20
